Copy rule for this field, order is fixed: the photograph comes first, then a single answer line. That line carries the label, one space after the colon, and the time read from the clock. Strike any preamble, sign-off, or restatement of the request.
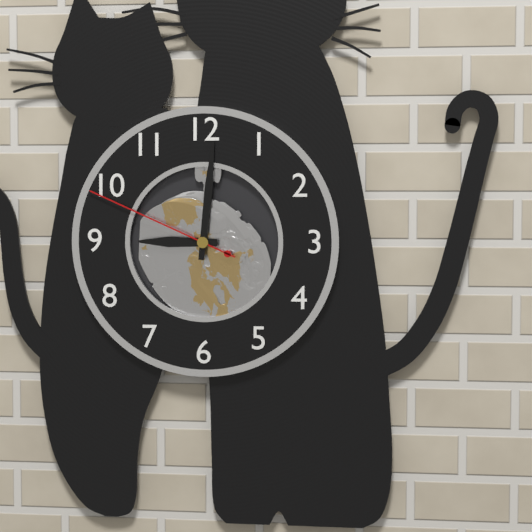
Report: 9:01:49
